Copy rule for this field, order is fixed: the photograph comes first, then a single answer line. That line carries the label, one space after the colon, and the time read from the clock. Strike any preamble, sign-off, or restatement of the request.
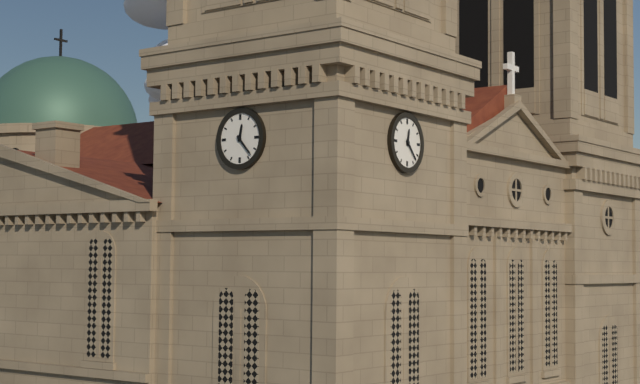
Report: 12:23
